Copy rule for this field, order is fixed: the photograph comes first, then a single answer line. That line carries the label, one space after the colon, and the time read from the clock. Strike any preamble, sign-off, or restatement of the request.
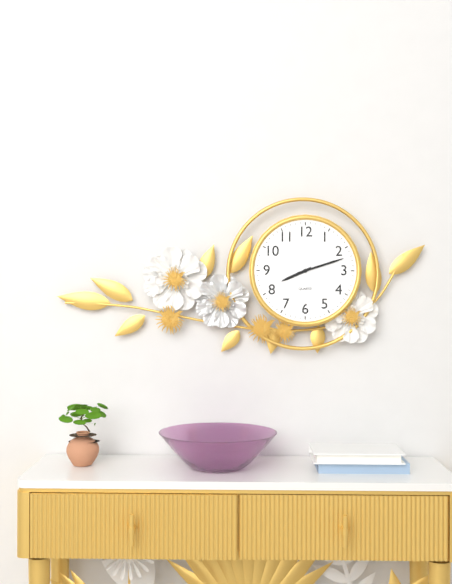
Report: 8:12
